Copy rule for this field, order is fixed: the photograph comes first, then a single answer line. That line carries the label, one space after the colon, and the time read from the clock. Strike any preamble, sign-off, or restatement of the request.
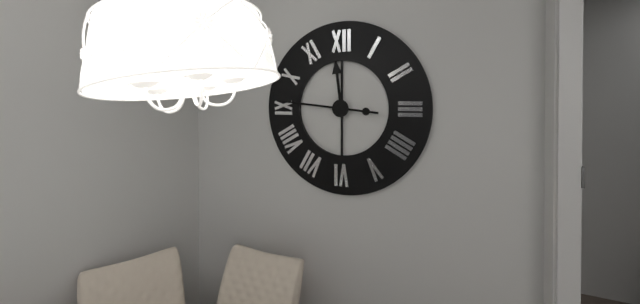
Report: 11:46
